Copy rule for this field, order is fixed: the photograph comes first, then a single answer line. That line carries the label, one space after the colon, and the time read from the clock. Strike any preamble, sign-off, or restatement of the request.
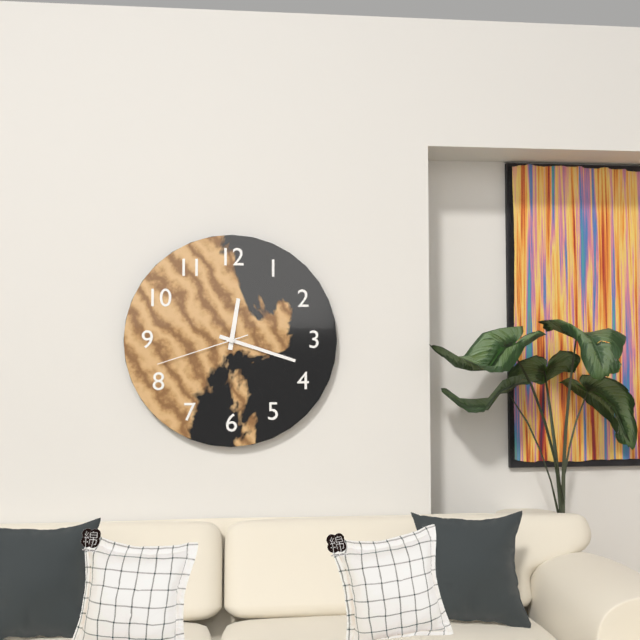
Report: 12:18:42
